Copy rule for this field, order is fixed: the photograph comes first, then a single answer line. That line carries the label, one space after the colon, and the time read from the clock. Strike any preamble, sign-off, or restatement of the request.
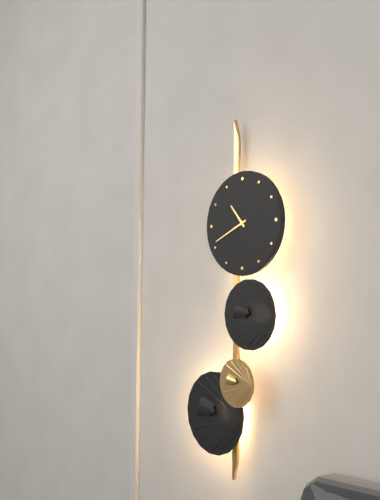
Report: 10:41
